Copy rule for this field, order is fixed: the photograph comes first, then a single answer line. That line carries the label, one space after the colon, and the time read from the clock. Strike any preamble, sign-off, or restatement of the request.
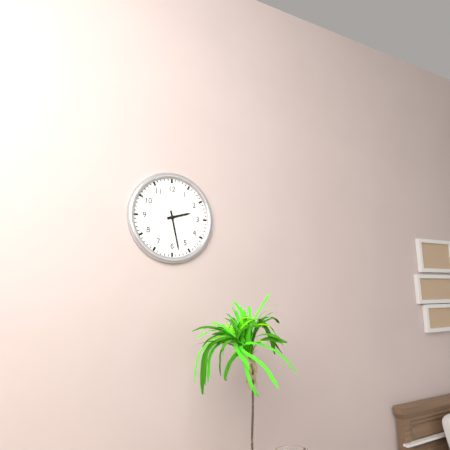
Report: 2:28
